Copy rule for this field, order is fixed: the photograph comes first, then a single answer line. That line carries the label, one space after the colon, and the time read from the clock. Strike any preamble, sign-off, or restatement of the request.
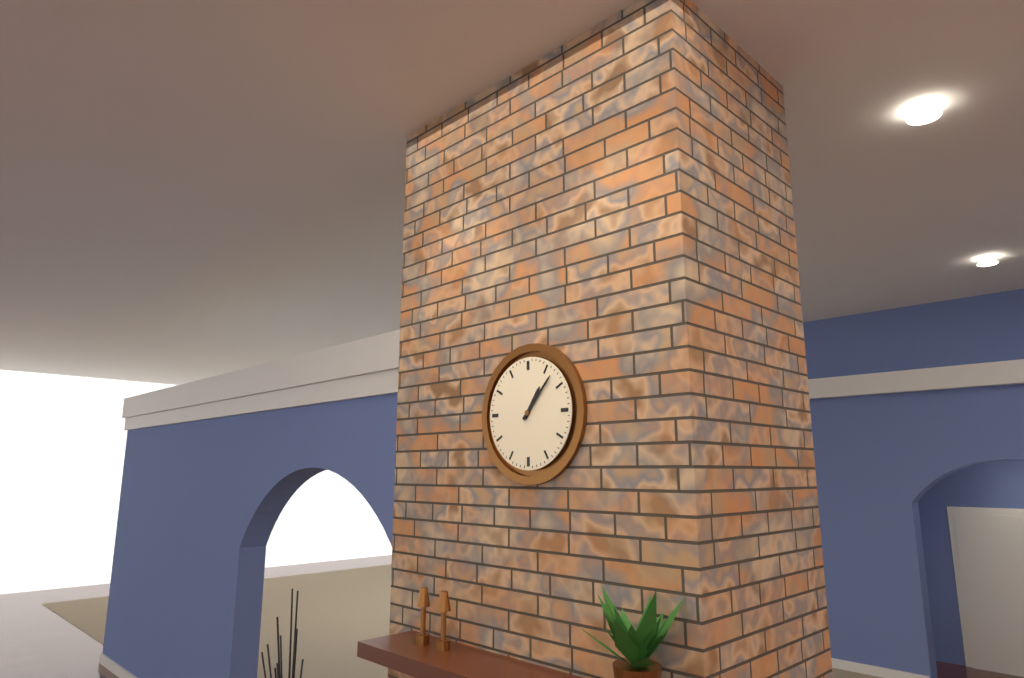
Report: 1:07
